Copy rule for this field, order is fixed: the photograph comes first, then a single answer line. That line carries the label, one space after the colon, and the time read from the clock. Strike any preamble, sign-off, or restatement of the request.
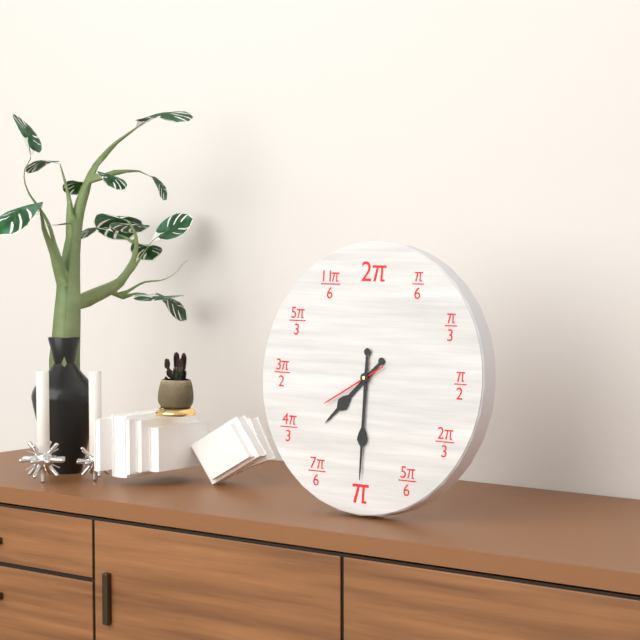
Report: 7:30:40
